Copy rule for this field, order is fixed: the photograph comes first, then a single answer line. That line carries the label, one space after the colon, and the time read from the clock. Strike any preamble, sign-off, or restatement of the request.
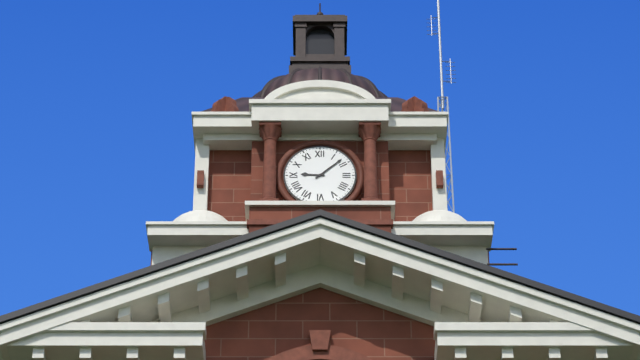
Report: 9:08
